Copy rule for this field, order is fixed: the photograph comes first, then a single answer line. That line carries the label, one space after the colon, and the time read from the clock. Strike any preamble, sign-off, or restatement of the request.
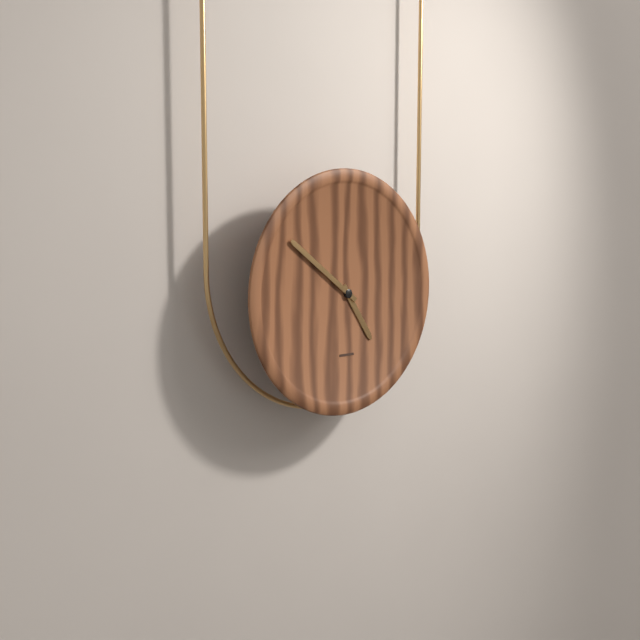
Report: 4:51
